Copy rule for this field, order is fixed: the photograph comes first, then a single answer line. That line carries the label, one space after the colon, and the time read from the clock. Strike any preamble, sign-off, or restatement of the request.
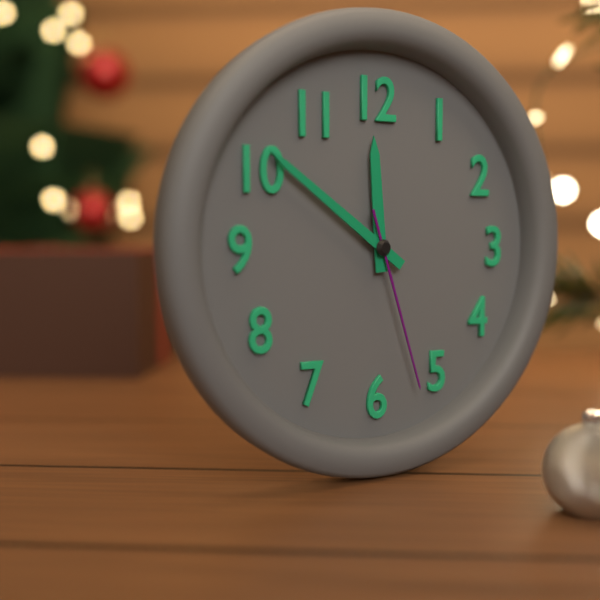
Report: 11:51:27
